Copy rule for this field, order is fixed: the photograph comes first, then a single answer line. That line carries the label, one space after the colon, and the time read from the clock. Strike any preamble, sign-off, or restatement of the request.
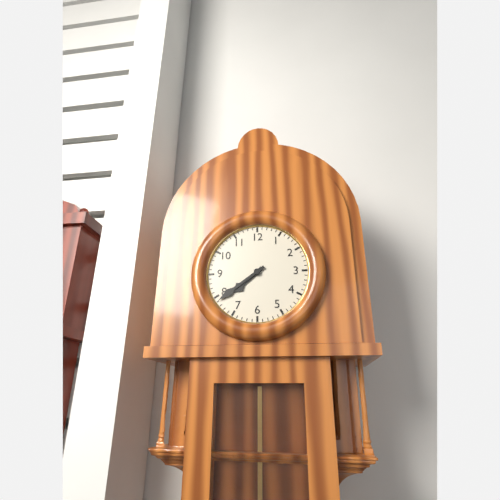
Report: 7:39
